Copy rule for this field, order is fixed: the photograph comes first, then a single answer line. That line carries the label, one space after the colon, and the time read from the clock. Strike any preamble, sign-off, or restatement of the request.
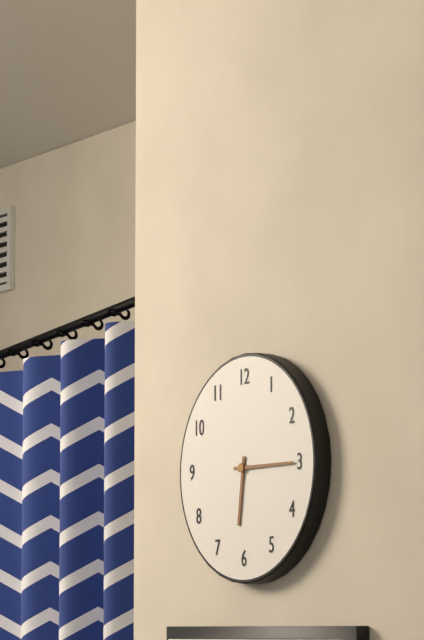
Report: 6:15
